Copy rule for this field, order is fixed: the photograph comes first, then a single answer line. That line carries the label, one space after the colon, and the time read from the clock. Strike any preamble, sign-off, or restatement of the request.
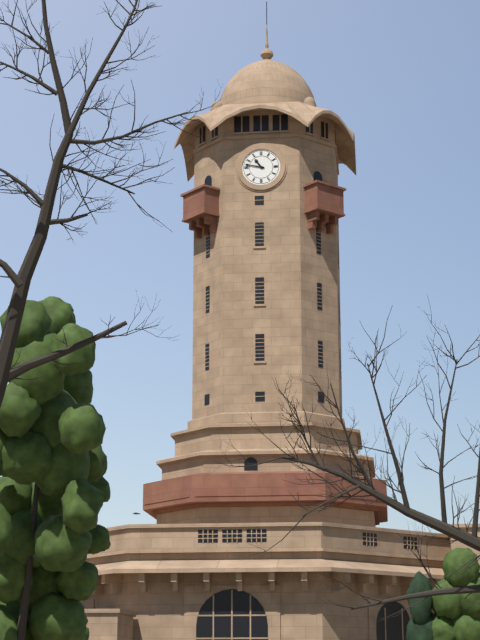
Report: 10:47
